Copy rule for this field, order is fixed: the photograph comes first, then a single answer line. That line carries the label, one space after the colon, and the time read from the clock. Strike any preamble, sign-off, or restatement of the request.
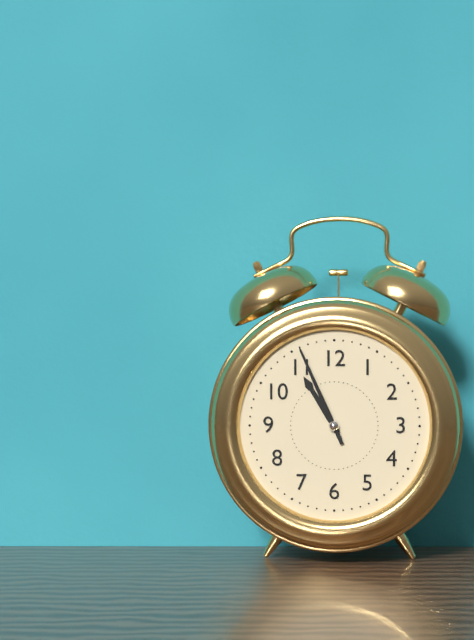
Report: 10:56
